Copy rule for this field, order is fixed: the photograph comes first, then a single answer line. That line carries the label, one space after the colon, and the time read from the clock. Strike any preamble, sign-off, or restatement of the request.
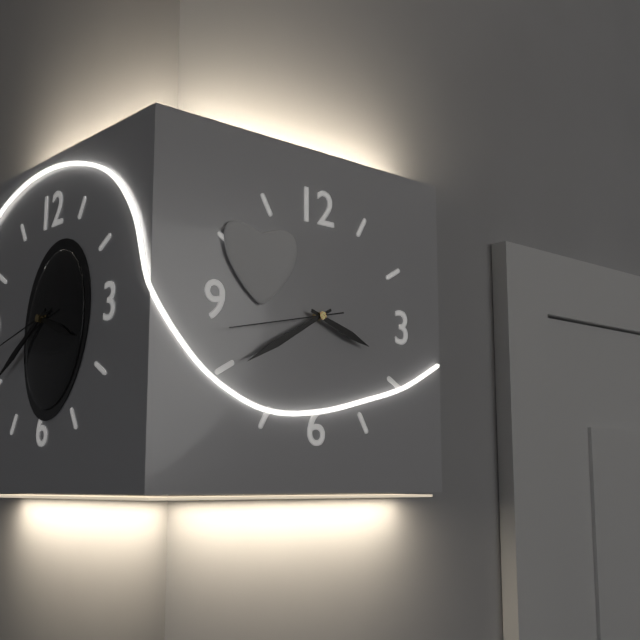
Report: 3:40:43
